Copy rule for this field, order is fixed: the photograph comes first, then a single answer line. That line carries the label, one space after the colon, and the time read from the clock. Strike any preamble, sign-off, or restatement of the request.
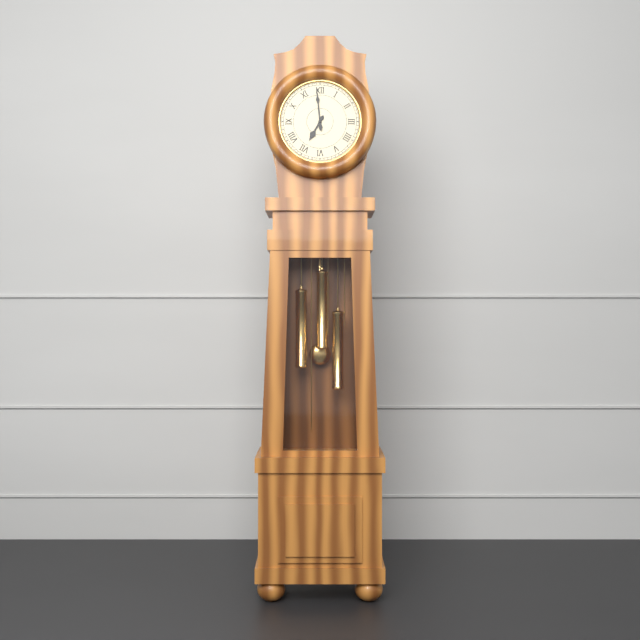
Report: 6:59
